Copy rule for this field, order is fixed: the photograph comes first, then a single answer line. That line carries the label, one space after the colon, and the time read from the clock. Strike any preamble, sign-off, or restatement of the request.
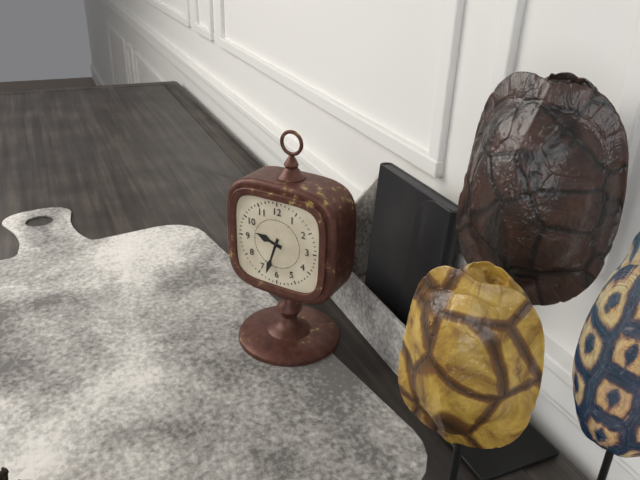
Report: 9:33
